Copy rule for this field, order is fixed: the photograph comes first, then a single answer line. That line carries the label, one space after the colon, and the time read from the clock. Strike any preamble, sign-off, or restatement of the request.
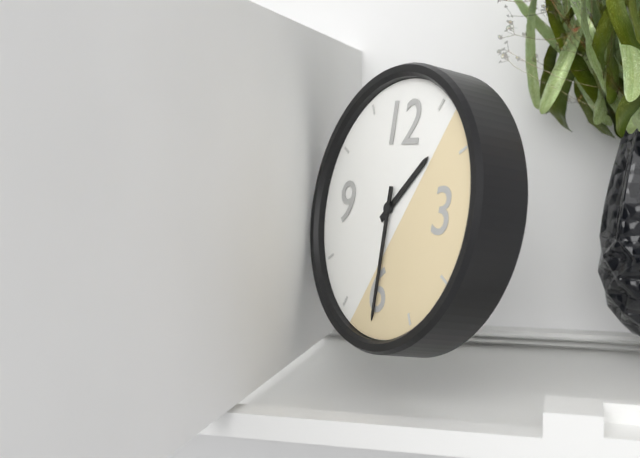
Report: 1:30
